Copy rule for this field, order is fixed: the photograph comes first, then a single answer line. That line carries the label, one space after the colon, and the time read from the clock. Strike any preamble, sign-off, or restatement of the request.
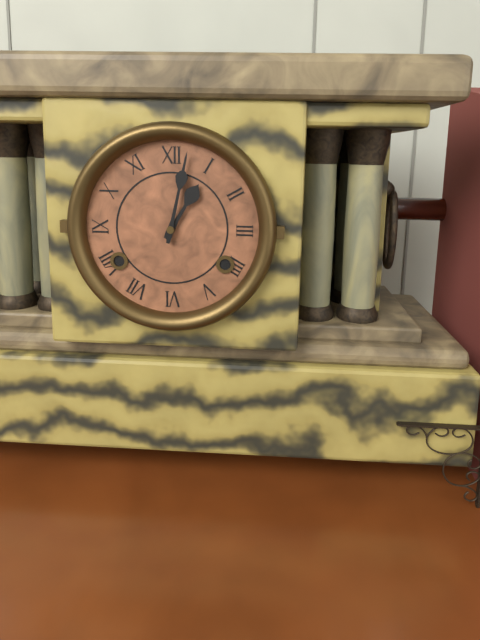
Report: 1:02
